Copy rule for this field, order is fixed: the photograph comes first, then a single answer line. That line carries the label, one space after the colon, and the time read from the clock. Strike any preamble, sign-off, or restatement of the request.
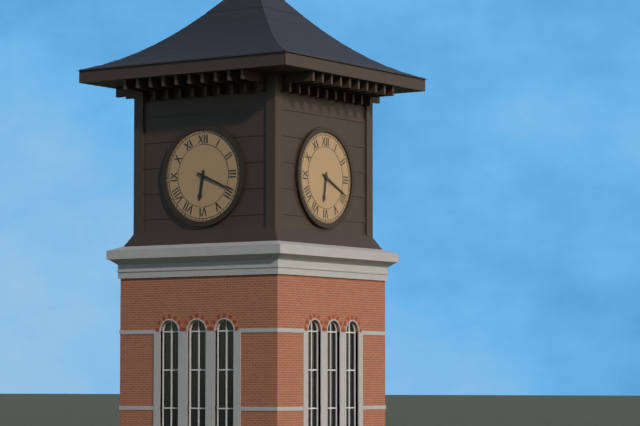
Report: 6:19
